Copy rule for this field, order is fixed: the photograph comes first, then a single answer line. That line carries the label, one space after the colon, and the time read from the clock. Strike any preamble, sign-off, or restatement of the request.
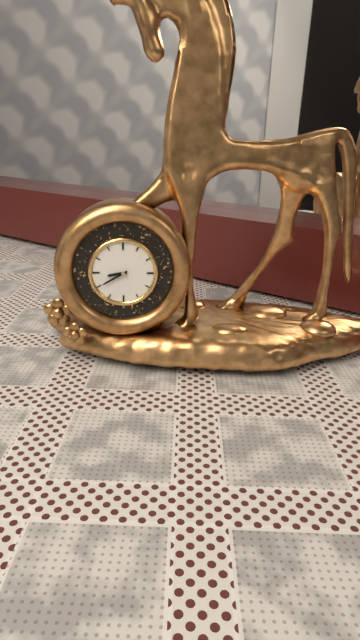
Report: 8:40
